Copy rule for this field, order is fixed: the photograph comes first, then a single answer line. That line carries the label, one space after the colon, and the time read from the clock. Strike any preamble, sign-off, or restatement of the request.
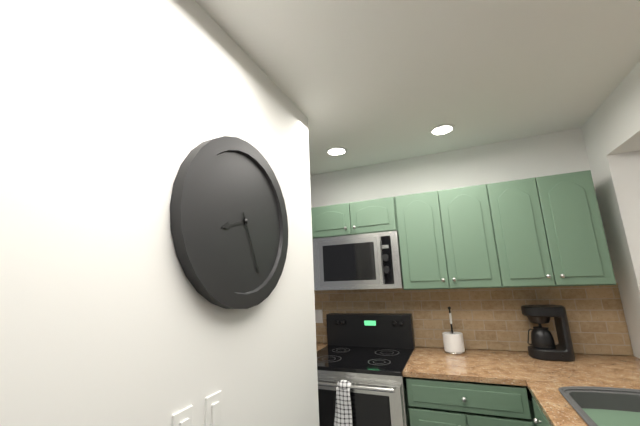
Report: 8:26
